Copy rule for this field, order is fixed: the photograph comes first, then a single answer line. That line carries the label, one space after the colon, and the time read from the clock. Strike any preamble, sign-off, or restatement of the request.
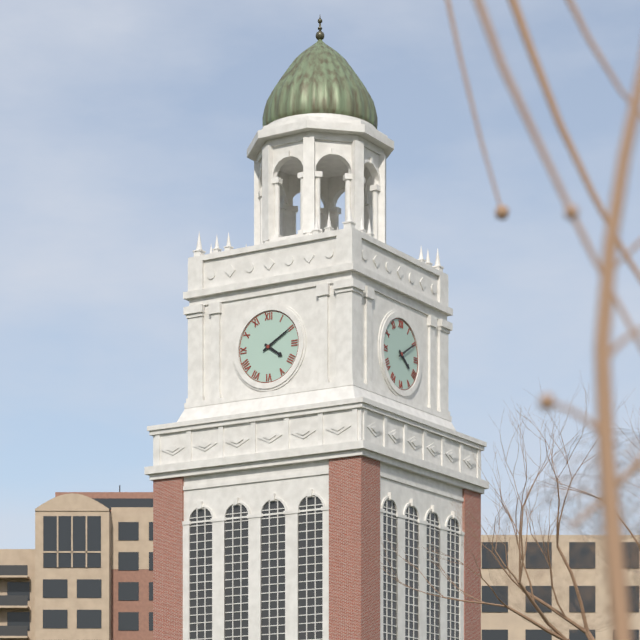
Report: 4:10
